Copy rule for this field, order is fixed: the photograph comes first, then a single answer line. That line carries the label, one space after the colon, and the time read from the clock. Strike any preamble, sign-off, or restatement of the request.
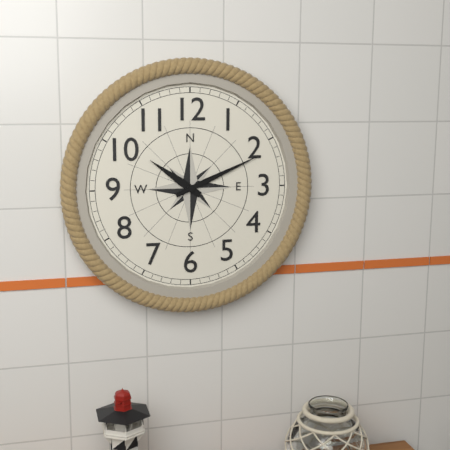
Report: 10:11
